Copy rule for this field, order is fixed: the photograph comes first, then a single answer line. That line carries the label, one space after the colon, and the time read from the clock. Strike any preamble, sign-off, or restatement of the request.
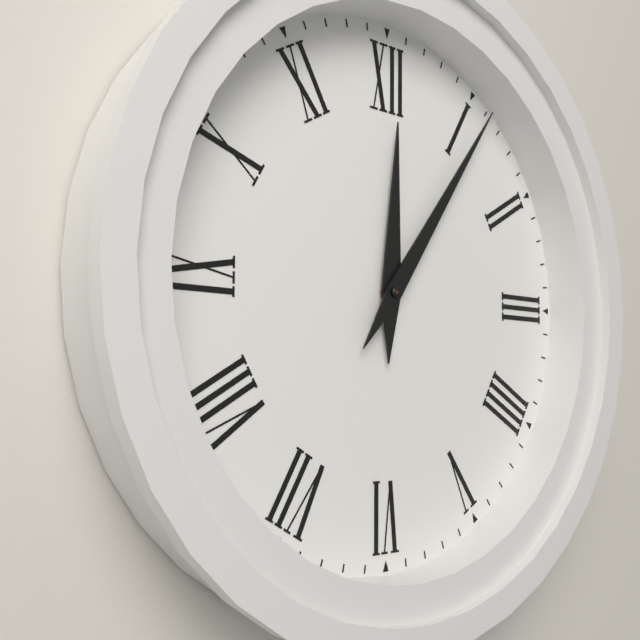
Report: 12:06
